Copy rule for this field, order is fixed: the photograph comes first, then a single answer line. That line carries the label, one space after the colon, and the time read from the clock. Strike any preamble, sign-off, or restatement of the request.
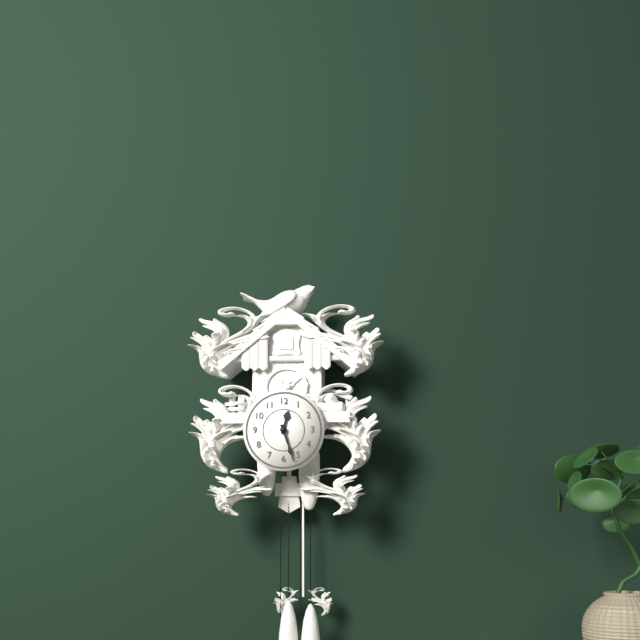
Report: 12:27
